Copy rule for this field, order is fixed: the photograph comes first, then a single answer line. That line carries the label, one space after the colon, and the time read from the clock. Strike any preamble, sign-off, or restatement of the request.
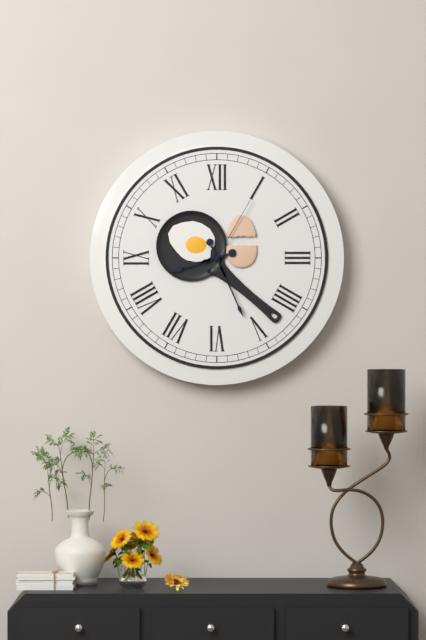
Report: 8:26:05
